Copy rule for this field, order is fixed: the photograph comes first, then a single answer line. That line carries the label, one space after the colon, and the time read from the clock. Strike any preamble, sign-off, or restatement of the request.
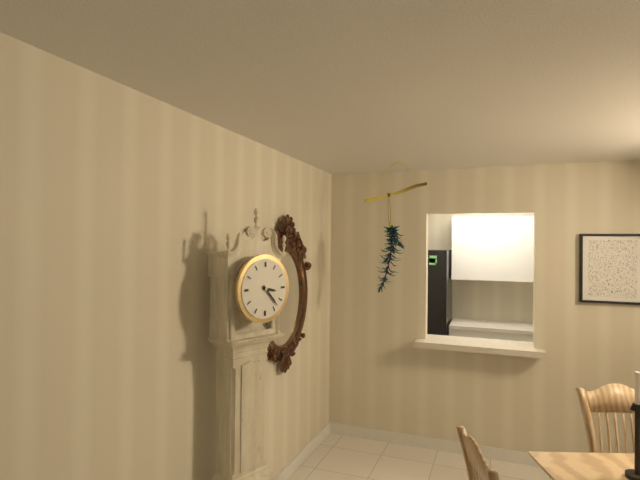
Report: 3:23
